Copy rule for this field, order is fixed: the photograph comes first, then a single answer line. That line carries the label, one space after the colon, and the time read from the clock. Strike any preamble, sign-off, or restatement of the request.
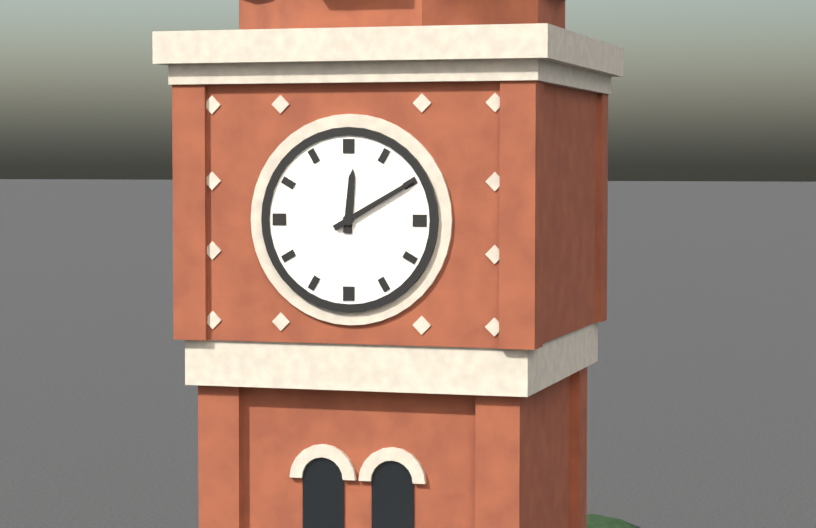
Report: 12:10
